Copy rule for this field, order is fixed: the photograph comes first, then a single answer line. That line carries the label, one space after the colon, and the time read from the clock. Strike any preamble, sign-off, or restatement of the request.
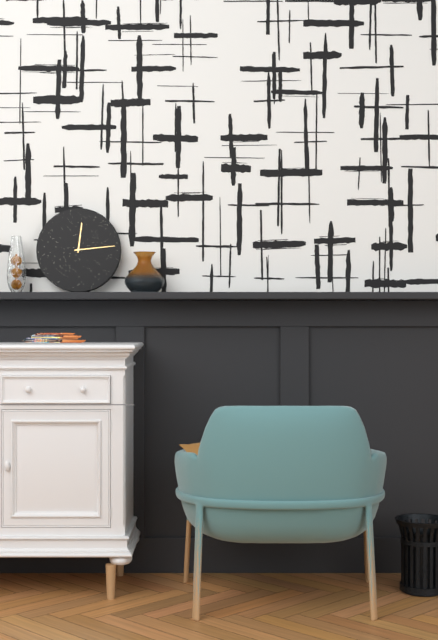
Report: 12:14
